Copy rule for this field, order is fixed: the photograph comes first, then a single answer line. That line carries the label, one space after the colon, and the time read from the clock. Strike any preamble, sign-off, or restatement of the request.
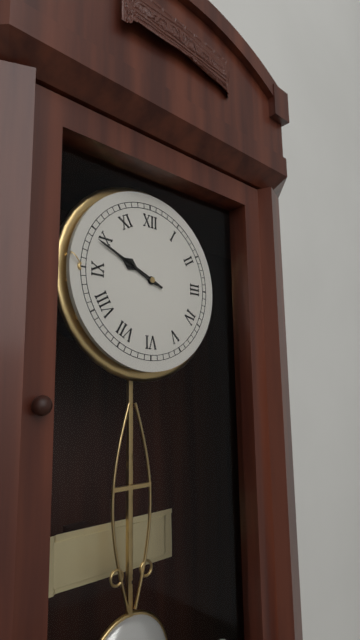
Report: 9:49
